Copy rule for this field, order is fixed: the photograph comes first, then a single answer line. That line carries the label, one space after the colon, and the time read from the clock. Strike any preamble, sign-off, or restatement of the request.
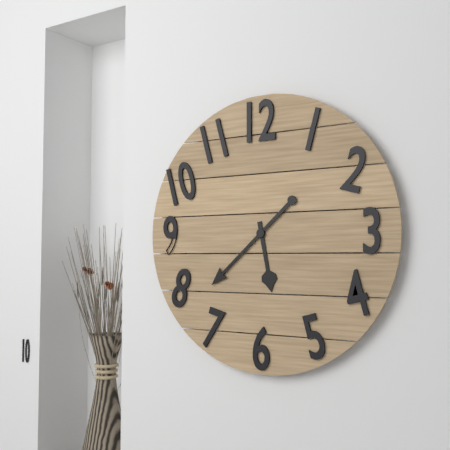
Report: 5:38
